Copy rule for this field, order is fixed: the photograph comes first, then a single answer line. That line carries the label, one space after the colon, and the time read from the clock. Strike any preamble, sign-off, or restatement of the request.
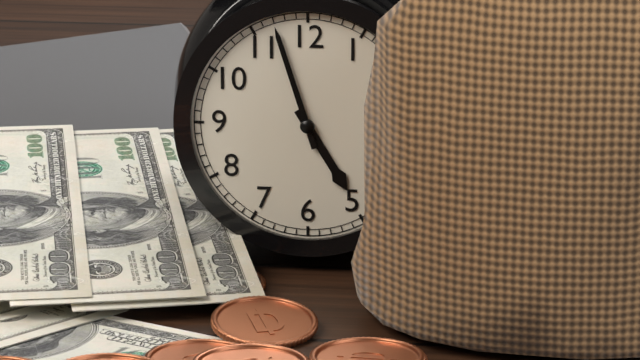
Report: 4:57
